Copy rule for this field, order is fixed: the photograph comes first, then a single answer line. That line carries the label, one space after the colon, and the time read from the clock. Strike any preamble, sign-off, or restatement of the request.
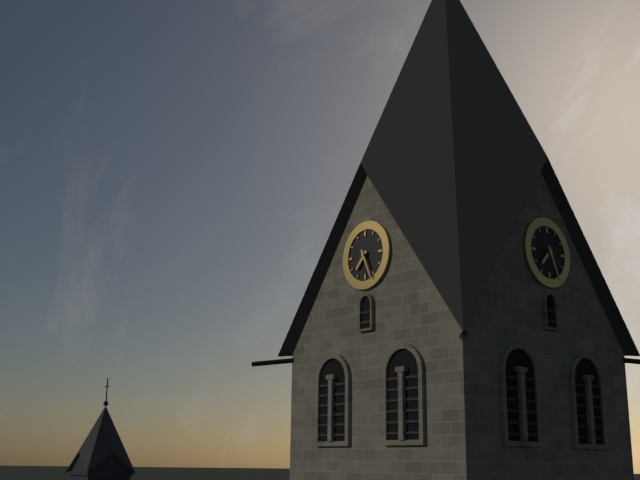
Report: 7:26
